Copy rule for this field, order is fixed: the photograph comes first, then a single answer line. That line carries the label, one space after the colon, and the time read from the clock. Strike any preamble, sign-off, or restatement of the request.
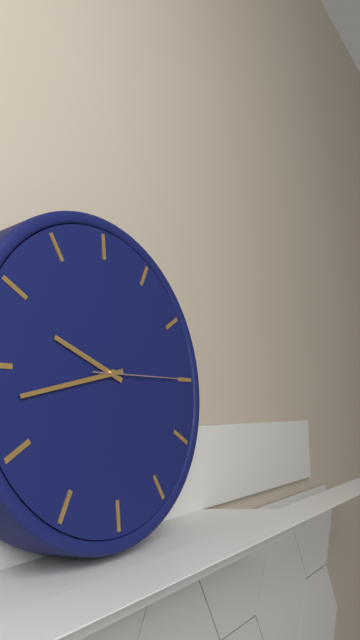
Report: 9:43:15
